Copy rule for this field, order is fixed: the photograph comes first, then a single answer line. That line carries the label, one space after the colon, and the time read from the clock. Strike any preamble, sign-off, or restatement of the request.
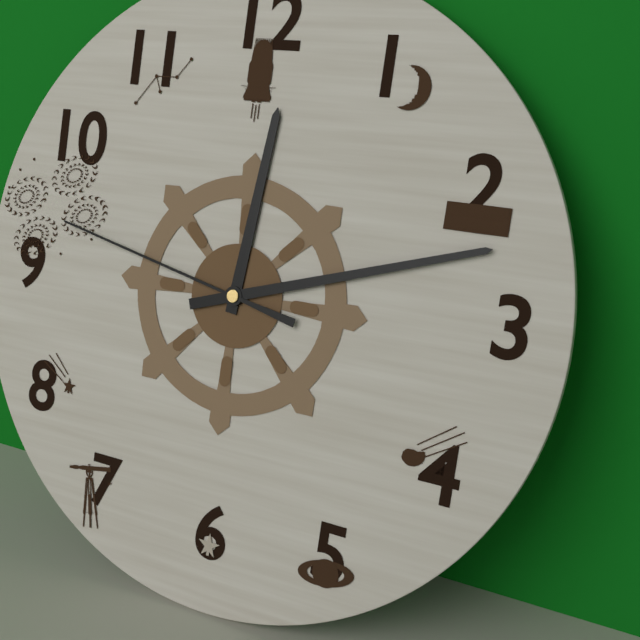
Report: 12:12:47
